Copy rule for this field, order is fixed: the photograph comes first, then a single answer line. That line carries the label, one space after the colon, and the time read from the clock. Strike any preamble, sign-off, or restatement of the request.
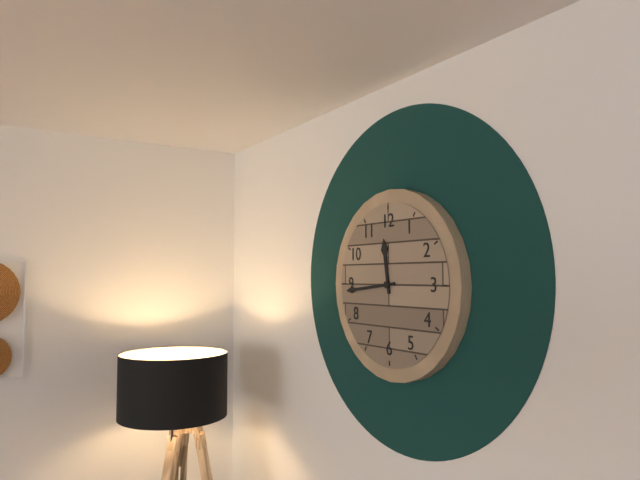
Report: 11:44
